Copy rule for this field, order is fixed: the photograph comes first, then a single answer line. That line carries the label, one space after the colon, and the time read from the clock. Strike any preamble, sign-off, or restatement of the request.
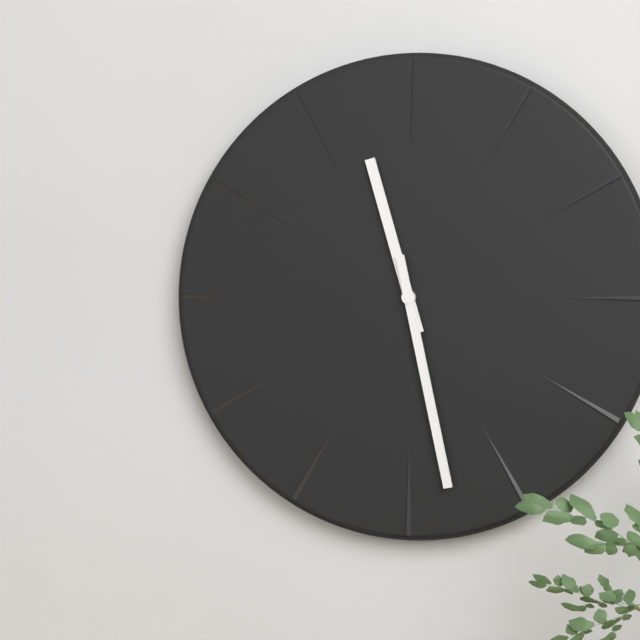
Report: 11:28
